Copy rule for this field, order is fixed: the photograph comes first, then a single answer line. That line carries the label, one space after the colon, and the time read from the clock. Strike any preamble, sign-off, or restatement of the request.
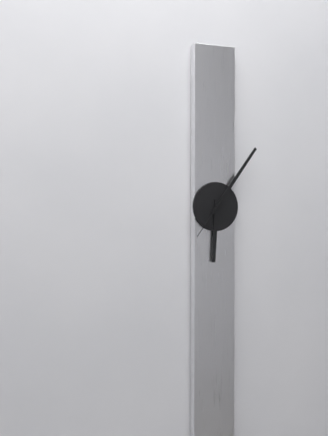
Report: 6:06
